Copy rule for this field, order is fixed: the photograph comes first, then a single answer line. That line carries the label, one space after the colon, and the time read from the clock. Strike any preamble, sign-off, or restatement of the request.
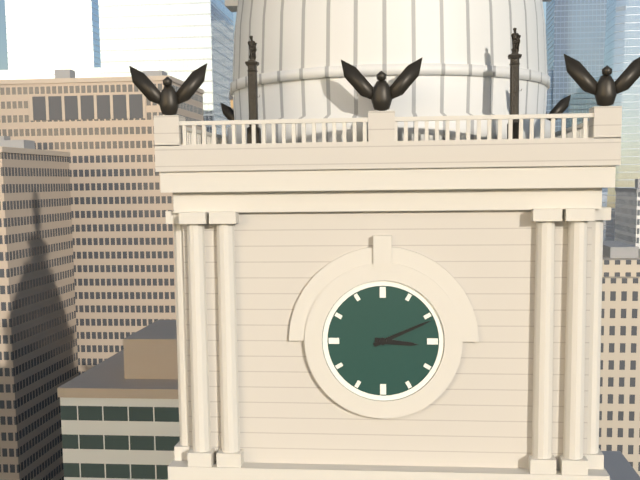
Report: 3:11
